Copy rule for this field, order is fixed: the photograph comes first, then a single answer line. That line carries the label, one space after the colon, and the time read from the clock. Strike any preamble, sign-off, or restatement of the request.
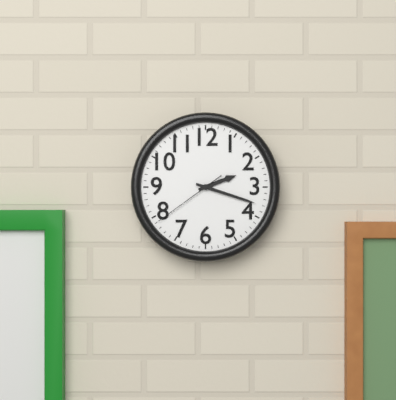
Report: 2:18:39
